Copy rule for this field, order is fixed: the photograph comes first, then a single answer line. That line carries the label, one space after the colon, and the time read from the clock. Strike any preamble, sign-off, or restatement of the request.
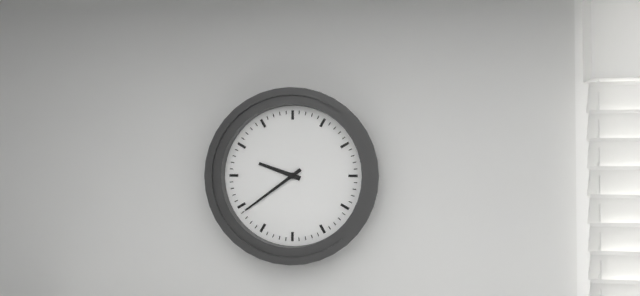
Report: 9:39
